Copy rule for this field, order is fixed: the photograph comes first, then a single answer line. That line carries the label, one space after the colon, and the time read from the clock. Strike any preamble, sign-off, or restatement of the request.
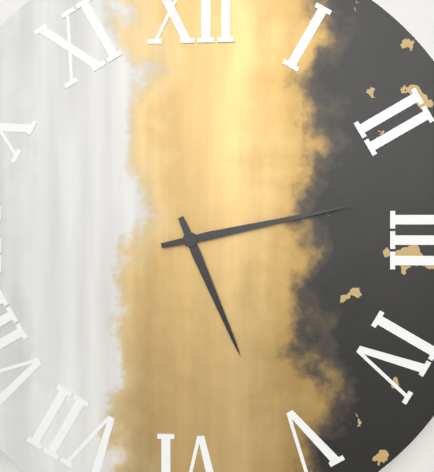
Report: 5:13
